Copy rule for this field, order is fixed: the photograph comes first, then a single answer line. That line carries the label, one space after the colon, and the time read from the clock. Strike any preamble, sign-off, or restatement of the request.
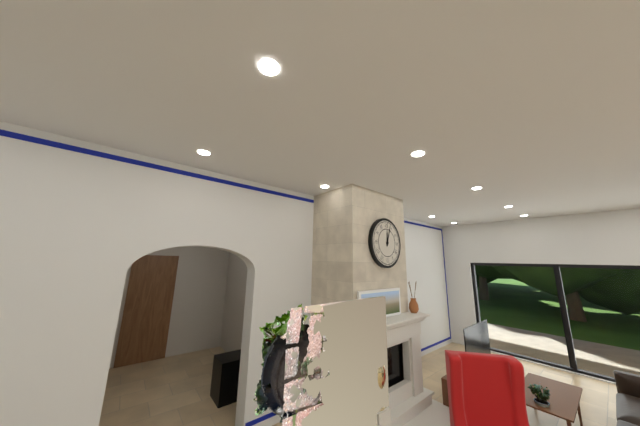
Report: 12:03
